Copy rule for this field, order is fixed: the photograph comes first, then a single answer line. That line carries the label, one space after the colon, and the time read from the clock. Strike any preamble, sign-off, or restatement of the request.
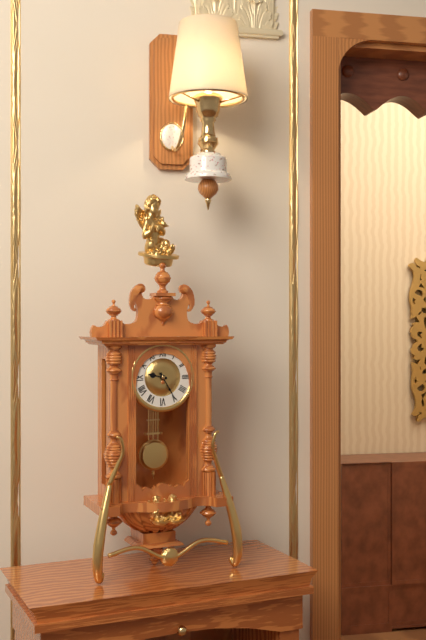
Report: 9:25
